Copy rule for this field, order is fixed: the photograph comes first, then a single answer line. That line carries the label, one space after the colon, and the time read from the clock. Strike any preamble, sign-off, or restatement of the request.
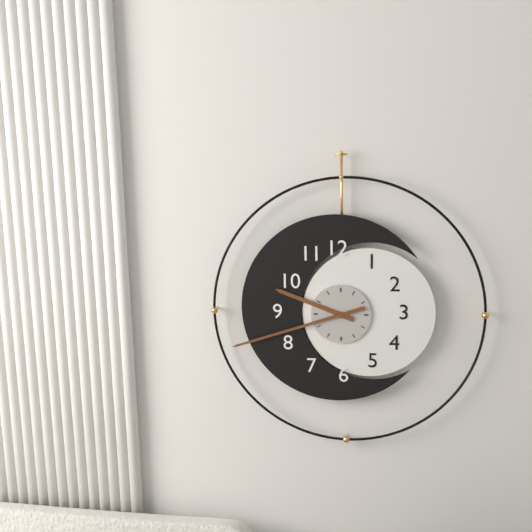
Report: 9:42
